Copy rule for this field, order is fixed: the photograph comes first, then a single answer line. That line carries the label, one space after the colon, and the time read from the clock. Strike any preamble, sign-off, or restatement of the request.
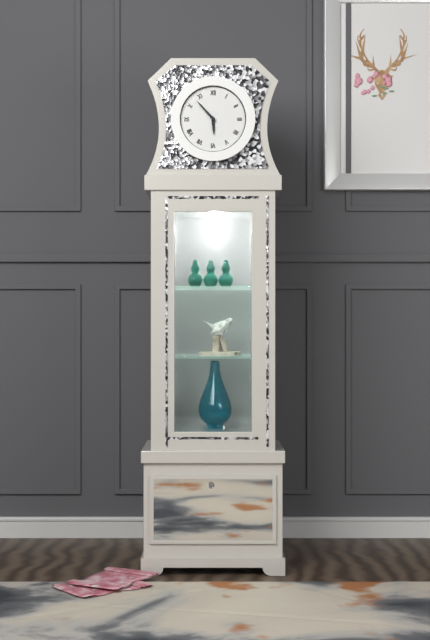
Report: 5:53
